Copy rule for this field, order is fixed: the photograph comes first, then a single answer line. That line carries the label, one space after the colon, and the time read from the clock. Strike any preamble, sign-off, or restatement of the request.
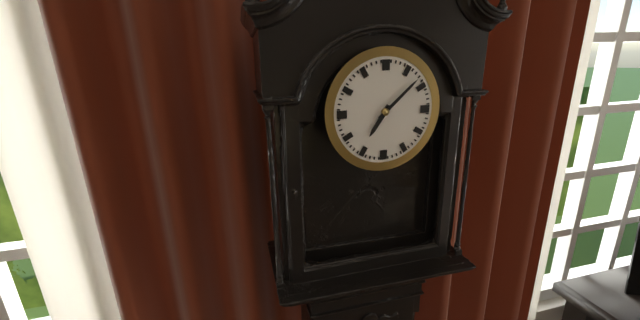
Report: 7:08
